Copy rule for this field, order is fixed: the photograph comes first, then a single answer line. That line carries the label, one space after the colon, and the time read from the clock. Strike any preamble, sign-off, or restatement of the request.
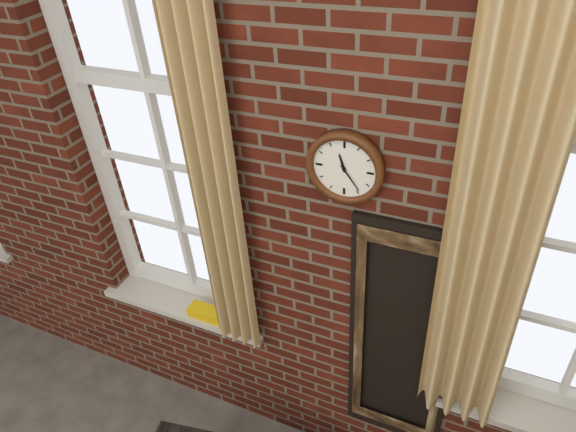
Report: 11:24
